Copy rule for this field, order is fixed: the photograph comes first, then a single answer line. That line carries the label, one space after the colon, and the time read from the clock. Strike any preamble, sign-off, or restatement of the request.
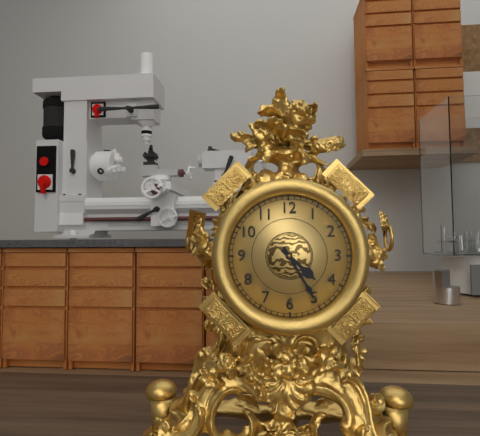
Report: 4:25
